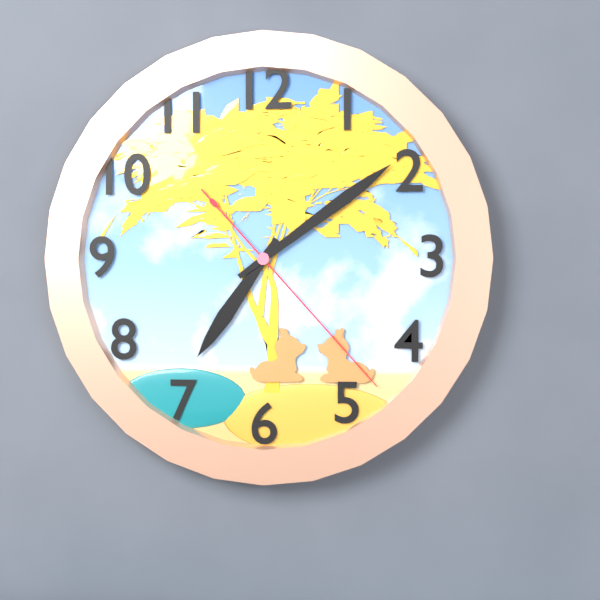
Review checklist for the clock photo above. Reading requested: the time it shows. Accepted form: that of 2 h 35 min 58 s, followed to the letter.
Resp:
7 h 09 min 23 s
